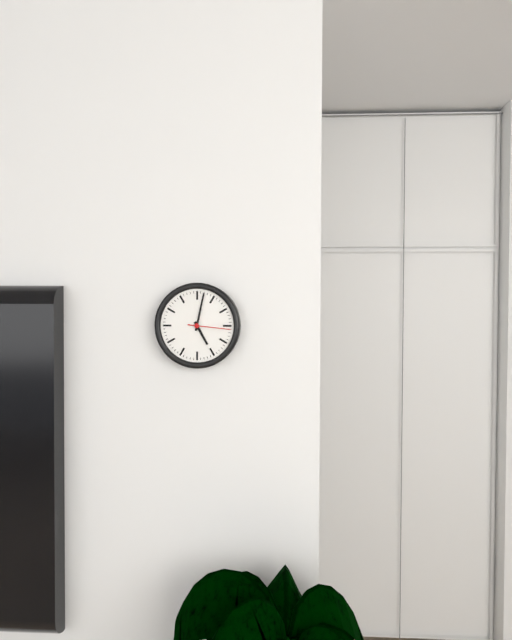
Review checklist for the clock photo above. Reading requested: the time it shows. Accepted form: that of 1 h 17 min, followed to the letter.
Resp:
5 h 02 min
